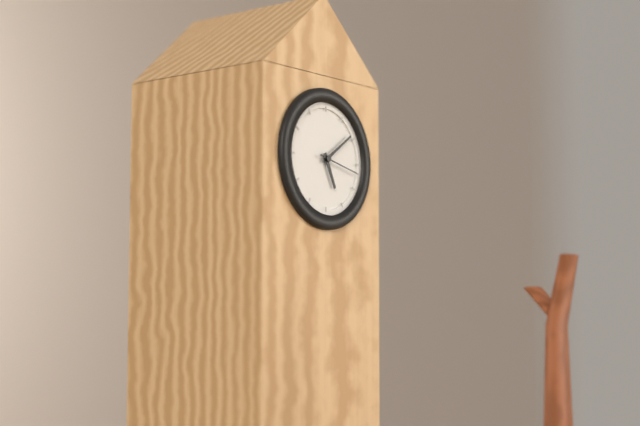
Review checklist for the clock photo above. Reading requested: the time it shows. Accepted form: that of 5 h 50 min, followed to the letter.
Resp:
5 h 09 min
